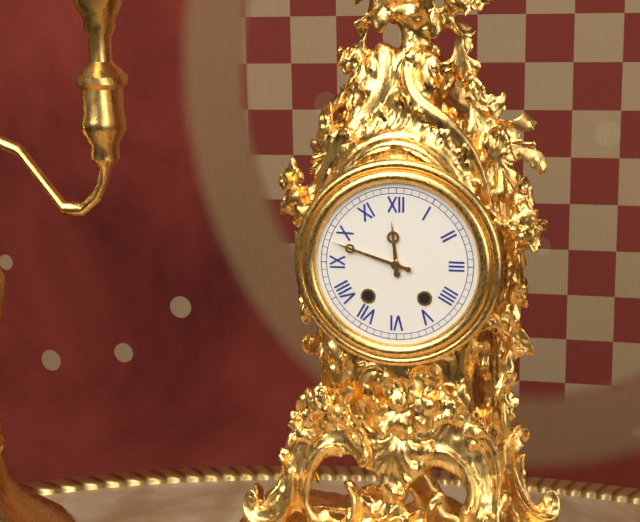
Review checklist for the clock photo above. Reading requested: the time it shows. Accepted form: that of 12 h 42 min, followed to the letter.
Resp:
11 h 48 min
